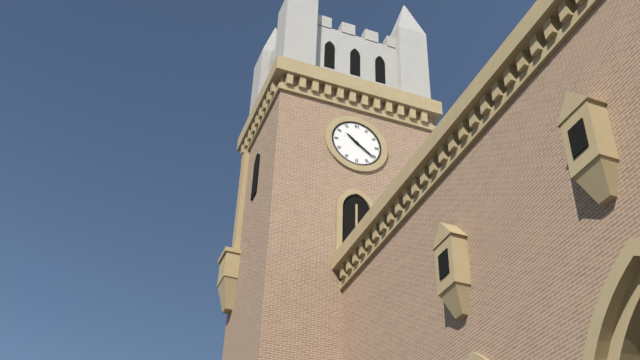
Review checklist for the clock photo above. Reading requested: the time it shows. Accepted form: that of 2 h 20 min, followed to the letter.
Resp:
10 h 21 min
